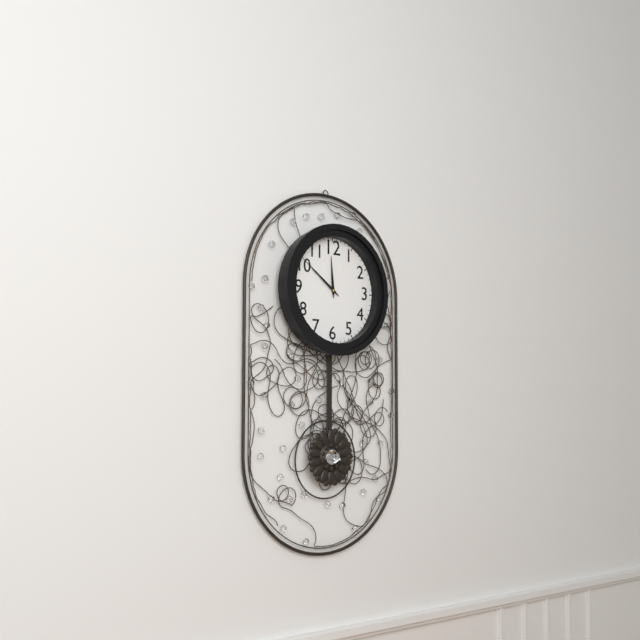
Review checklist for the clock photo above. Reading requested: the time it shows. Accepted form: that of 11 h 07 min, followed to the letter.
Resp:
11 h 51 min
